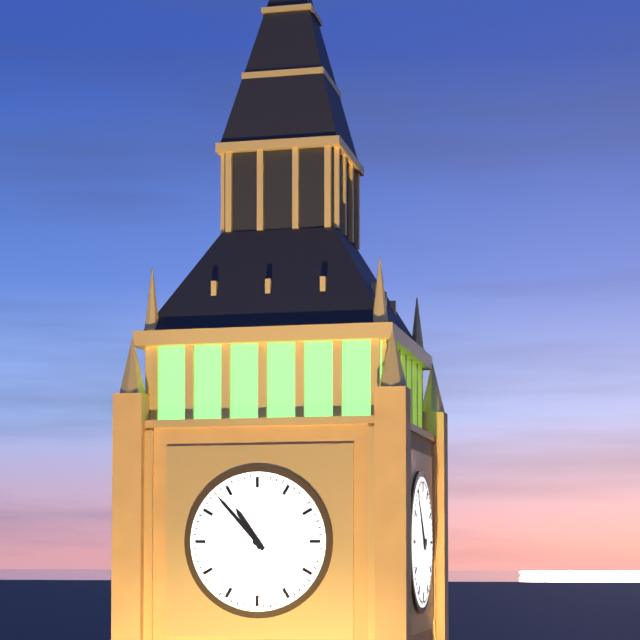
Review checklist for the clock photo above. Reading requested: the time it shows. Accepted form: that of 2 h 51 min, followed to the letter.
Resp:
10 h 53 min
